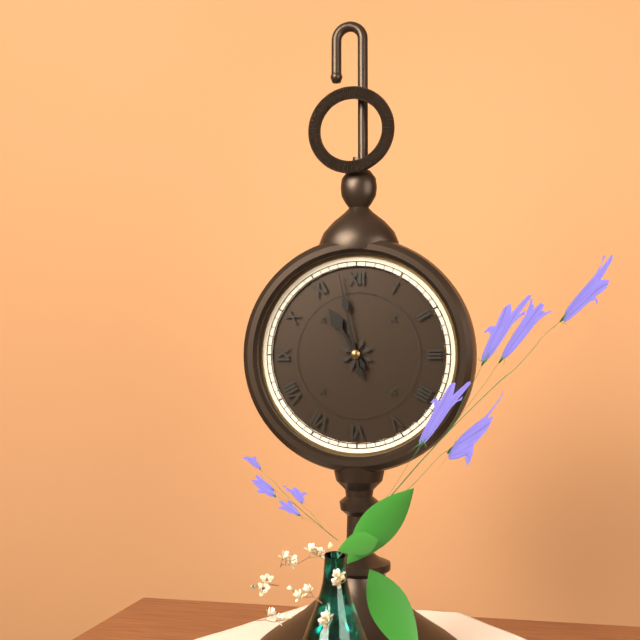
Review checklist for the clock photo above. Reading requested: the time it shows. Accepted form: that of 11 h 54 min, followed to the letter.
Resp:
10 h 58 min
